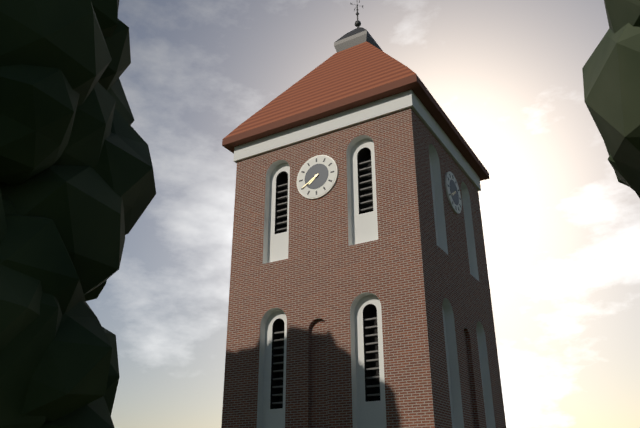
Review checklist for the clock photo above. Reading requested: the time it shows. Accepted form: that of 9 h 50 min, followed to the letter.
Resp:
7 h 40 min
